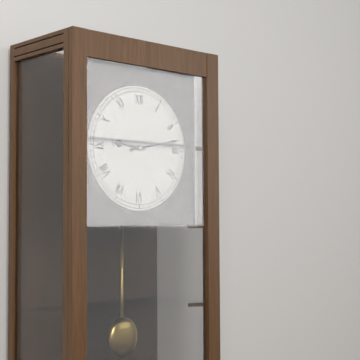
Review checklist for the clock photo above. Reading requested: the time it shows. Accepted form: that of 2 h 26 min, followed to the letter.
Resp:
9 h 13 min
